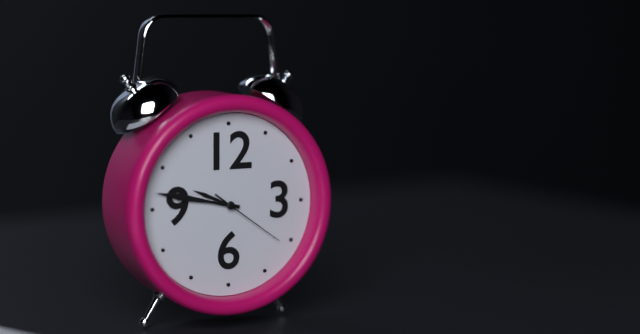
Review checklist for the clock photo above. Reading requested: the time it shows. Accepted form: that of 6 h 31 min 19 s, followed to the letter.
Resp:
9 h 47 min 21 s
